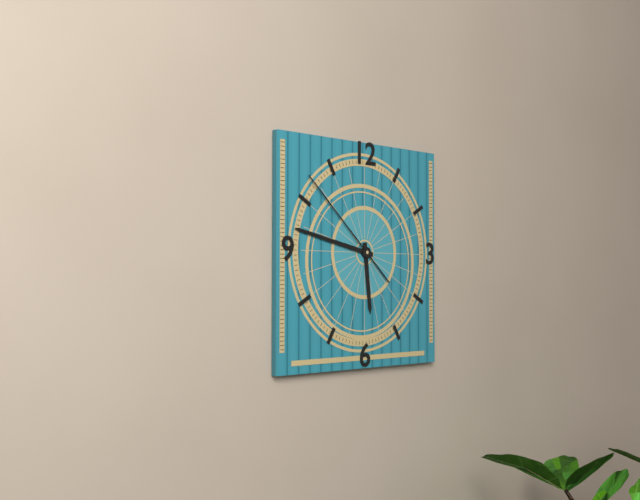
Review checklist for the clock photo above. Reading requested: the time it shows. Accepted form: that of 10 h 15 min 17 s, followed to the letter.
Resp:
5 h 47 min 52 s
